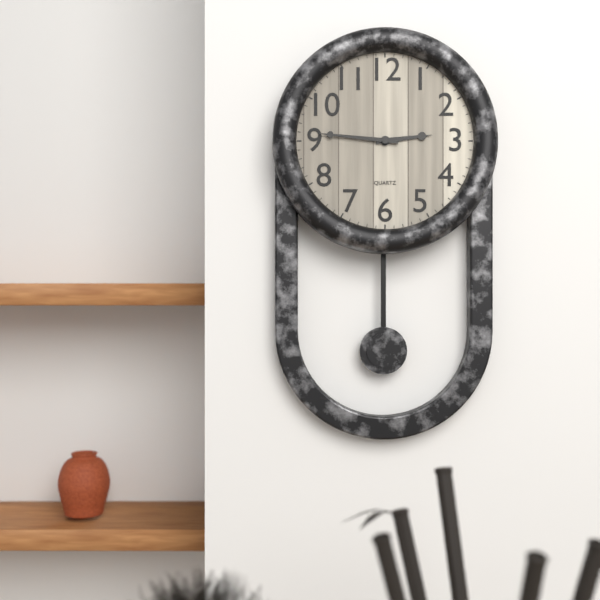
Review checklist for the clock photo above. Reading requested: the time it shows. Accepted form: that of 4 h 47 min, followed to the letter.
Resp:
2 h 46 min
